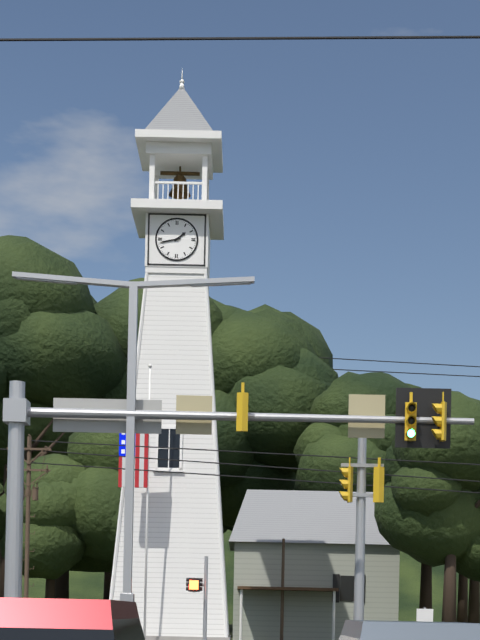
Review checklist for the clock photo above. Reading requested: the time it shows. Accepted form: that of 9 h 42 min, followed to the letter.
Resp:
1 h 43 min
